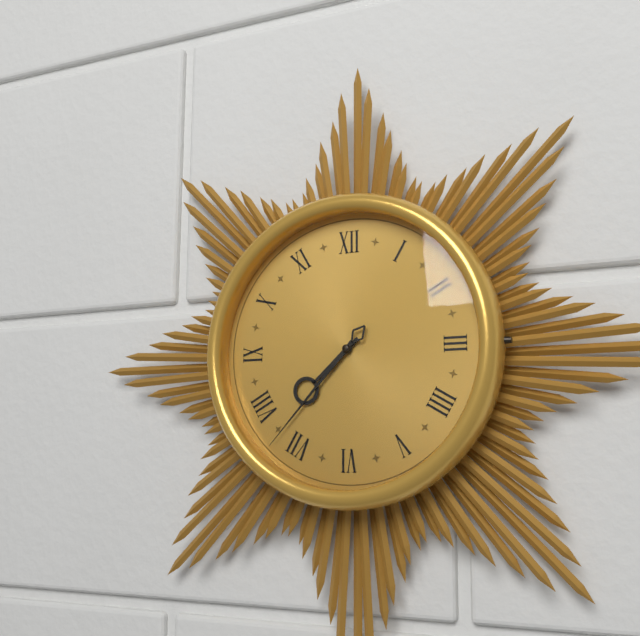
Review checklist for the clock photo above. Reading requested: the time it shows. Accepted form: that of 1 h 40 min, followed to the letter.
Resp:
7 h 37 min
